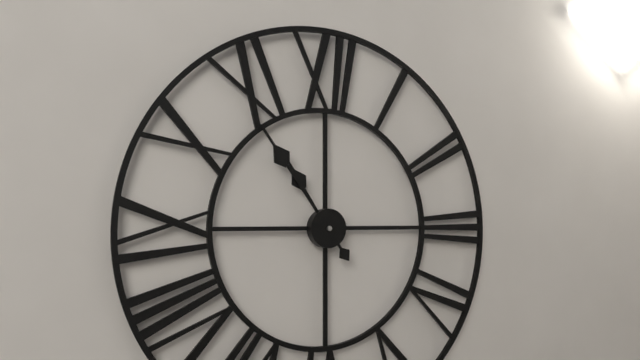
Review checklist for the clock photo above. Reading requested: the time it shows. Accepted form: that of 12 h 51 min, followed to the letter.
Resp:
10 h 54 min
